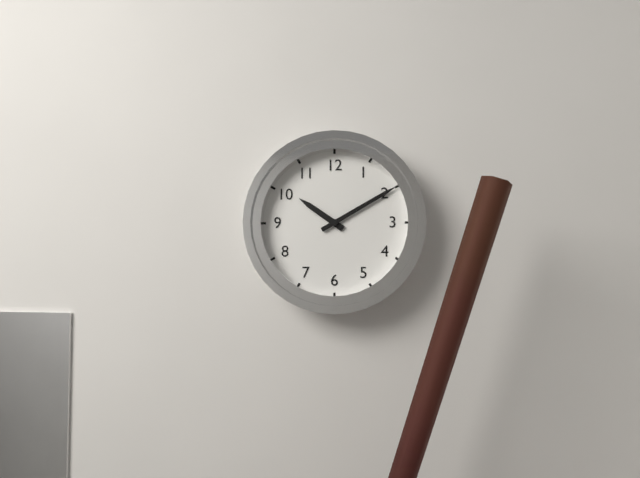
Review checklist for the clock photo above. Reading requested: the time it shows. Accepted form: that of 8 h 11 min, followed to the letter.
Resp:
10 h 10 min
